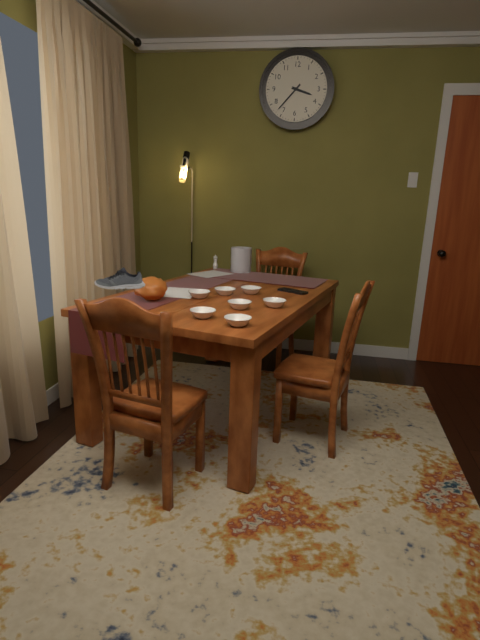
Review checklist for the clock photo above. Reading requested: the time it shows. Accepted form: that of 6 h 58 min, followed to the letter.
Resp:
3 h 37 min
